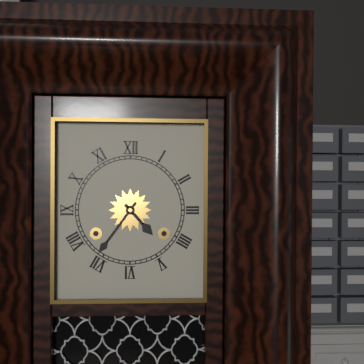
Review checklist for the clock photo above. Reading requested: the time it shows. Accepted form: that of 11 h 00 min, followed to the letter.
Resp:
4 h 36 min
